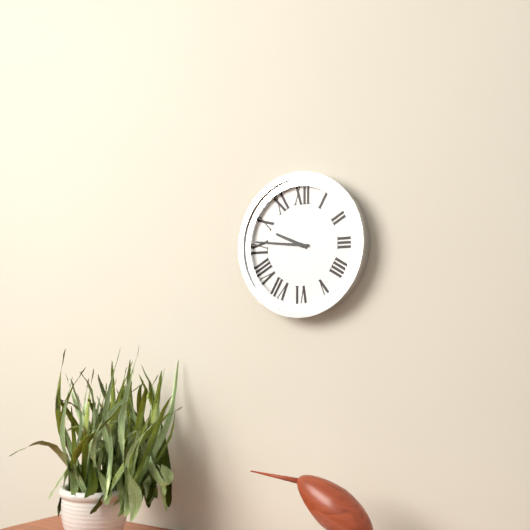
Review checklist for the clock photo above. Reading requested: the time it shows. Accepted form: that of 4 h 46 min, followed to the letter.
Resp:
9 h 46 min
